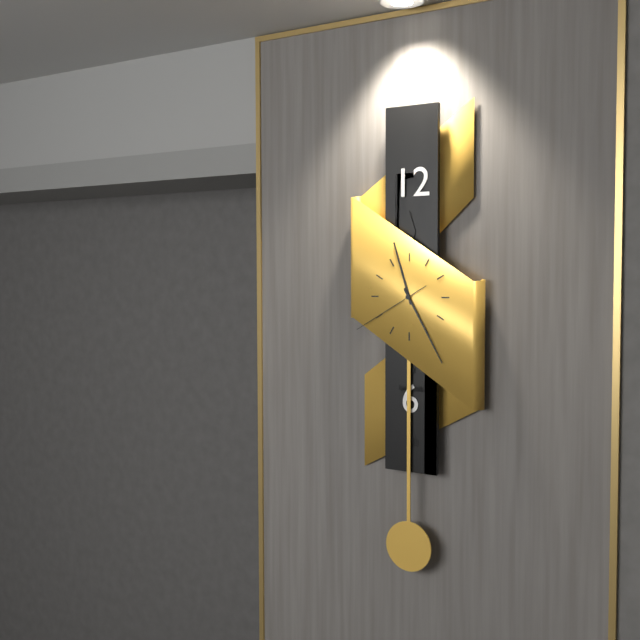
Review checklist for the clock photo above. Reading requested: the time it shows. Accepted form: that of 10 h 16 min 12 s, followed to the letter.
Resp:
11 h 25 min 40 s
